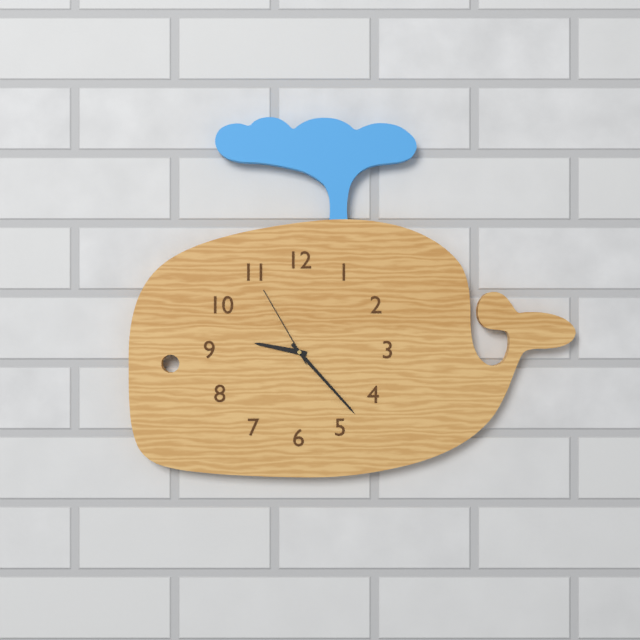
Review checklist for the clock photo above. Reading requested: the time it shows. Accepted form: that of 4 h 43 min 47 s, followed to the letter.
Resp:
9 h 23 min 55 s
